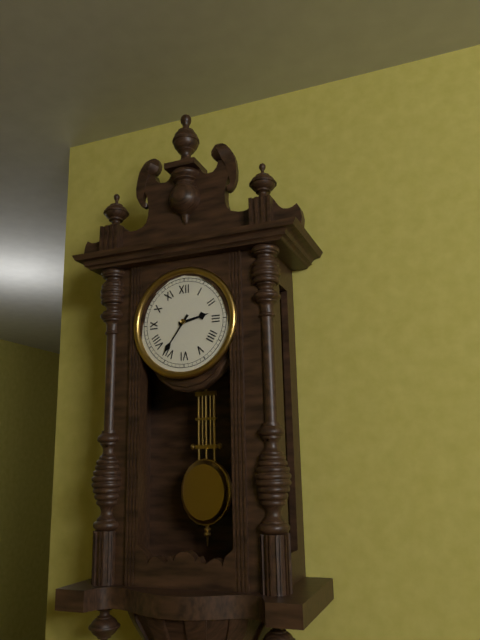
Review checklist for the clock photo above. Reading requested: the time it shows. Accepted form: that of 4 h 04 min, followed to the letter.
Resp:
2 h 36 min
